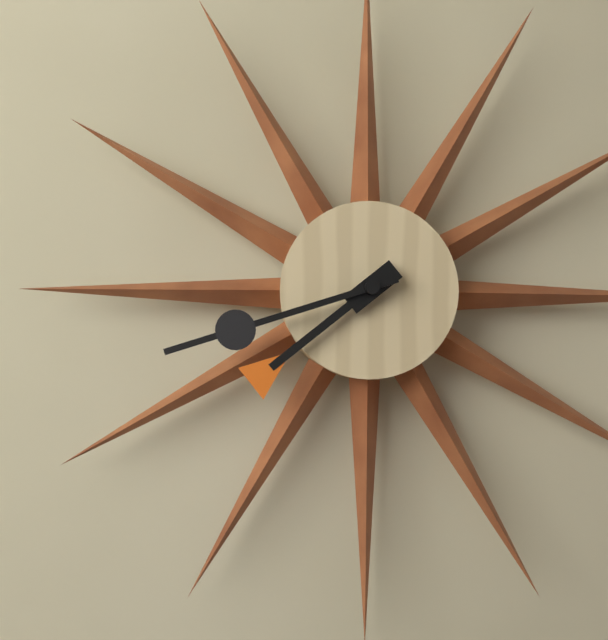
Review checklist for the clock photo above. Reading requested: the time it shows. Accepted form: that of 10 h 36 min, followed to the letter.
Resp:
7 h 42 min
